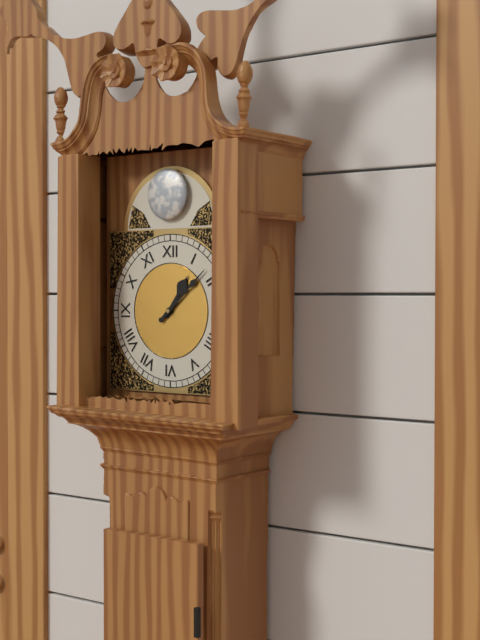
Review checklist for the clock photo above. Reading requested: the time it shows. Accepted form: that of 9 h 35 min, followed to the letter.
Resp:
1 h 08 min
